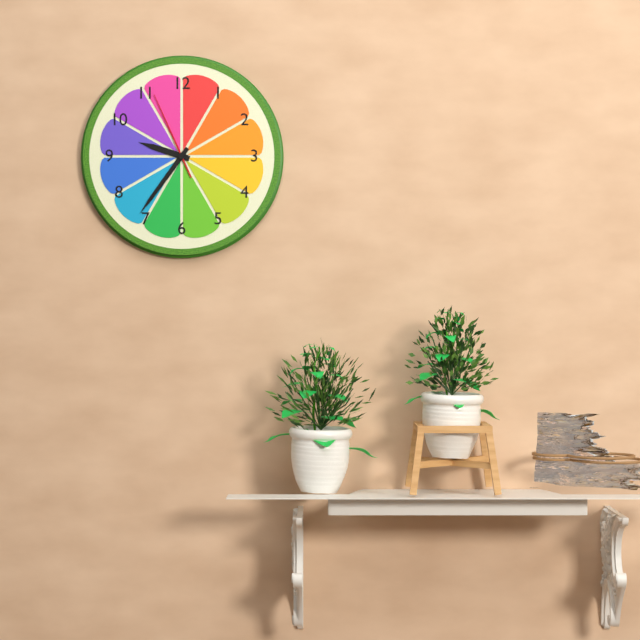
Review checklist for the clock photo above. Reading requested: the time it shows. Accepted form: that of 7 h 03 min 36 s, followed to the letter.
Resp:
9 h 36 min 56 s
